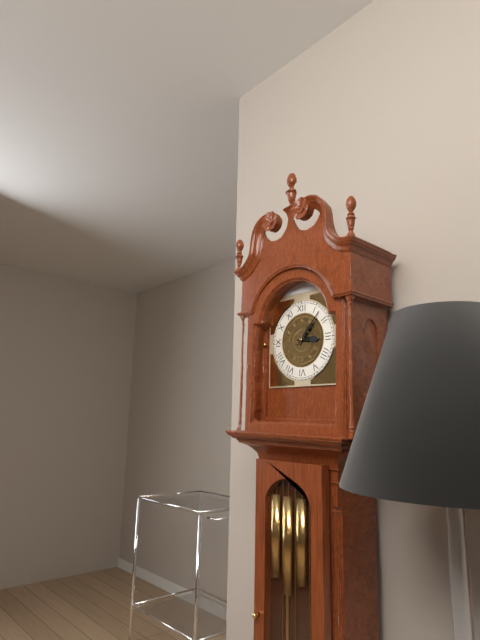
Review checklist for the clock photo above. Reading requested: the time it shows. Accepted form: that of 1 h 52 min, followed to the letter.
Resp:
3 h 07 min
